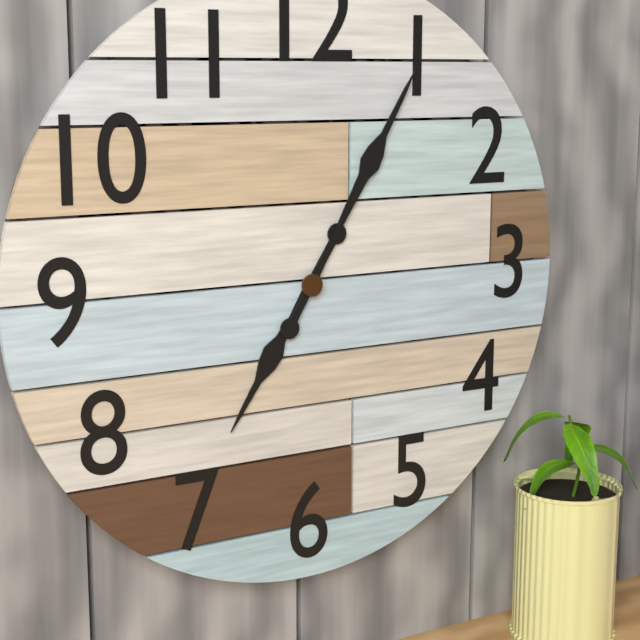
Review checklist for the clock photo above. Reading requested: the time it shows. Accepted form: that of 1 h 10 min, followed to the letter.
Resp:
7 h 05 min
